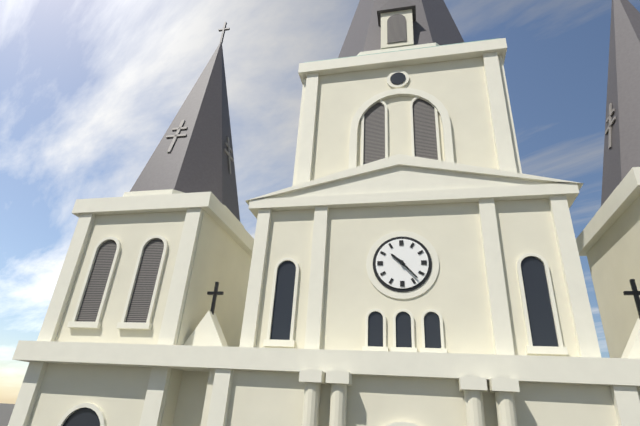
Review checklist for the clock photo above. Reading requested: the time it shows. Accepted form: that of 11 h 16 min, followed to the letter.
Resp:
10 h 23 min
